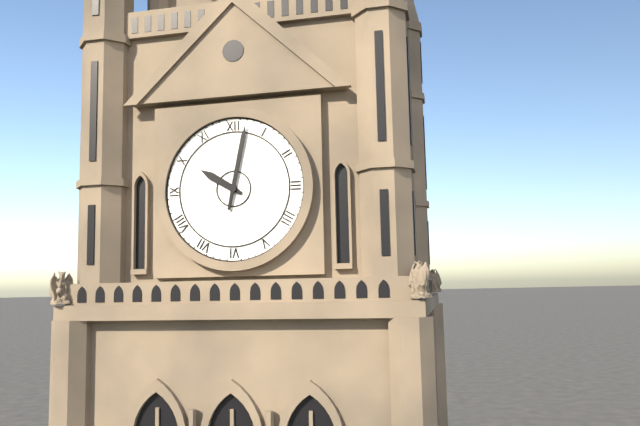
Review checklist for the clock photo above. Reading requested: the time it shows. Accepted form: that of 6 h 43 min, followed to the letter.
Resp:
10 h 02 min
